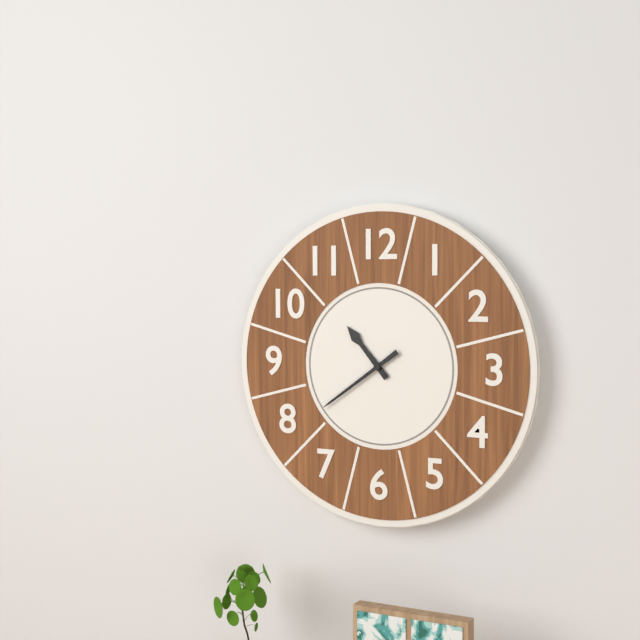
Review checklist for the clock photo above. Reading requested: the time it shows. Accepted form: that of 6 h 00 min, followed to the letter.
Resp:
10 h 39 min
